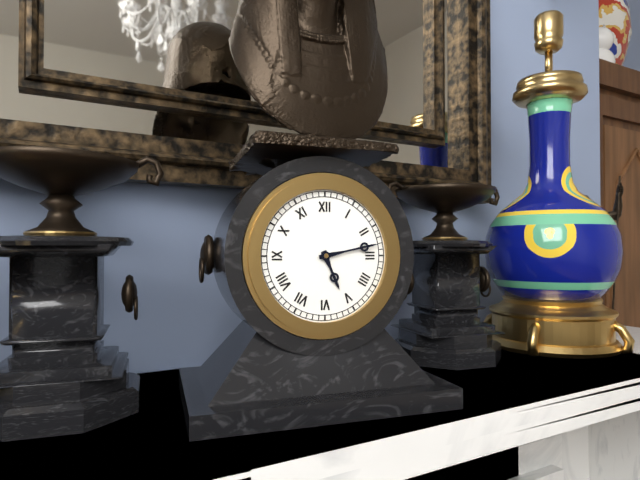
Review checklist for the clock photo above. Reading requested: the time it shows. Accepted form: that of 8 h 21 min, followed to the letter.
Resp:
5 h 13 min
